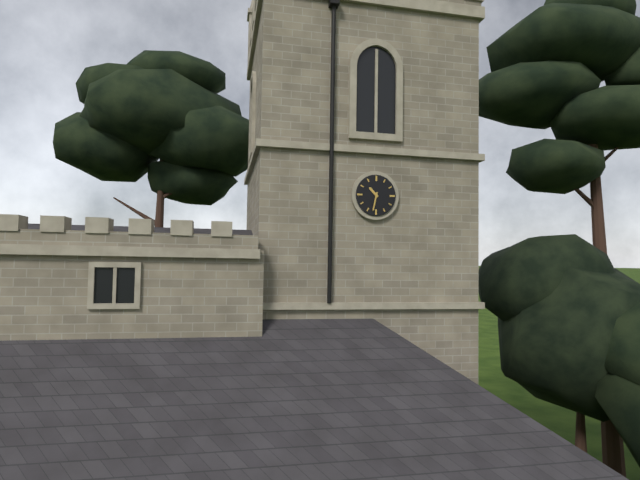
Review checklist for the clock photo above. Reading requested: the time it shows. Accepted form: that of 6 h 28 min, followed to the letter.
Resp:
10 h 32 min
